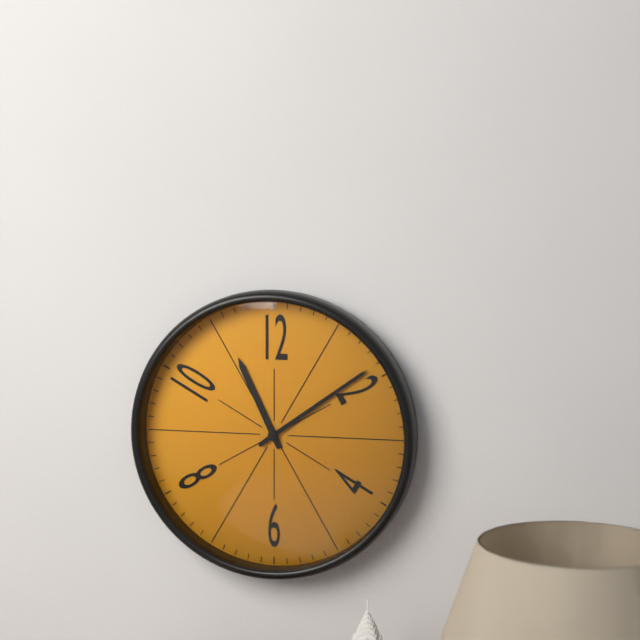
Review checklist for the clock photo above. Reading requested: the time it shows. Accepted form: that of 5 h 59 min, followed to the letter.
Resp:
11 h 09 min
